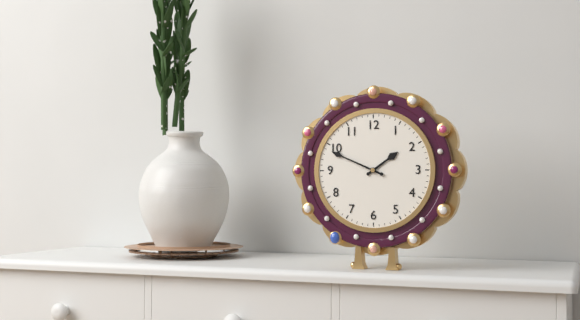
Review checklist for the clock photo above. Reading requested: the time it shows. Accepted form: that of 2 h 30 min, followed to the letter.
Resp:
1 h 49 min
